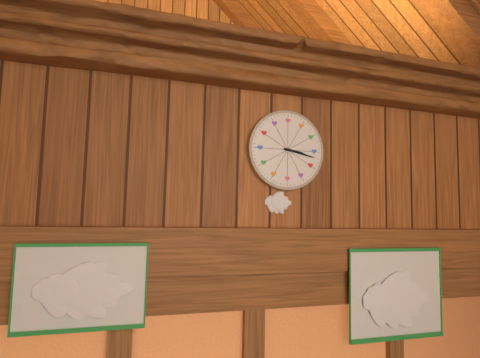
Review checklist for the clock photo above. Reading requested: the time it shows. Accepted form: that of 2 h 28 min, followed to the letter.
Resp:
3 h 17 min
